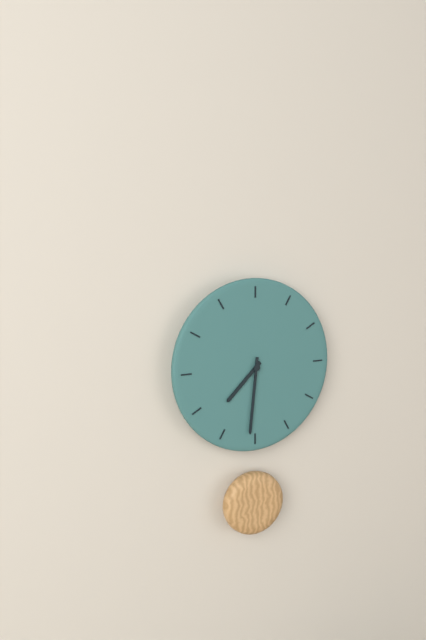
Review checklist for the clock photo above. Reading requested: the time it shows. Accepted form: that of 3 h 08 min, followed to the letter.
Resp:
7 h 31 min
